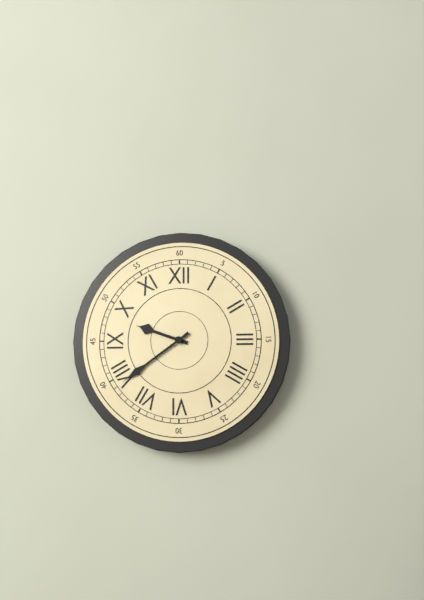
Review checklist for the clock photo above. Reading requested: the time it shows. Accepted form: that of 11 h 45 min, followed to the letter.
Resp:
9 h 39 min
